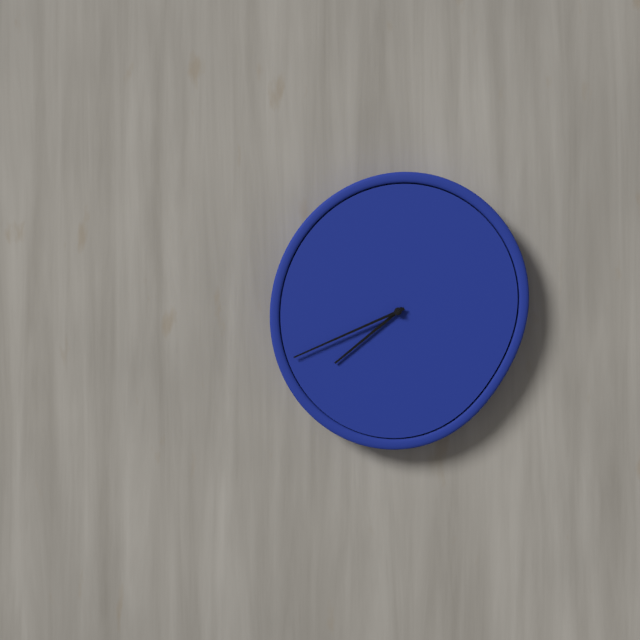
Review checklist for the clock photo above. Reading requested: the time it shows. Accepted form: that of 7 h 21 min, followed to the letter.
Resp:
7 h 41 min
